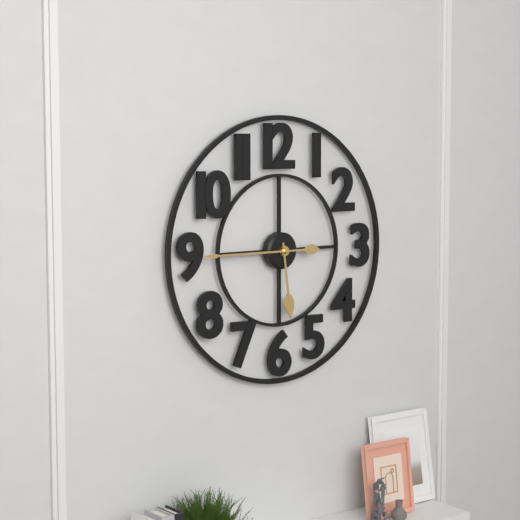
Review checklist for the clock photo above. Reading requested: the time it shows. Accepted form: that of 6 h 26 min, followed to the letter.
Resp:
5 h 45 min
